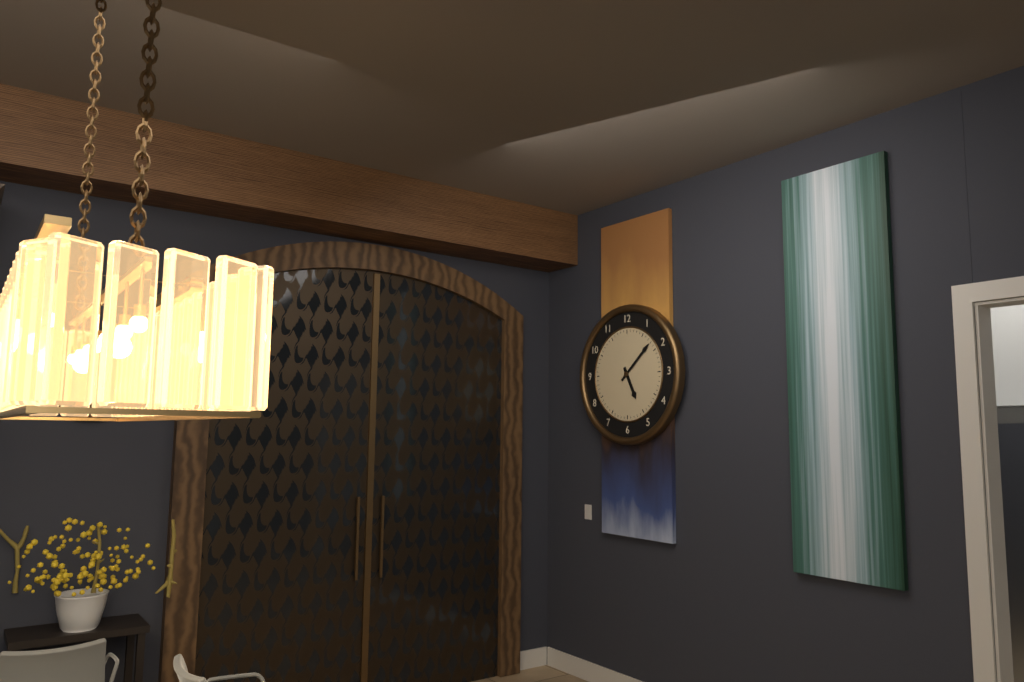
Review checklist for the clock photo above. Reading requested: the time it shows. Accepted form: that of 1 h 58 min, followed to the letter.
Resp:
5 h 08 min
